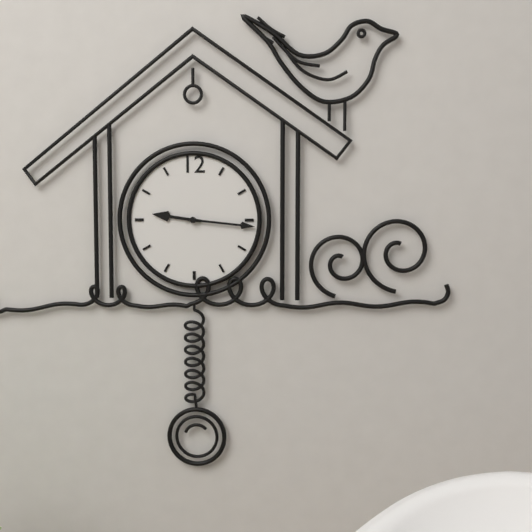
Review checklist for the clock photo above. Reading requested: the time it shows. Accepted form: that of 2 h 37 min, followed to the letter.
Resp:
9 h 16 min
